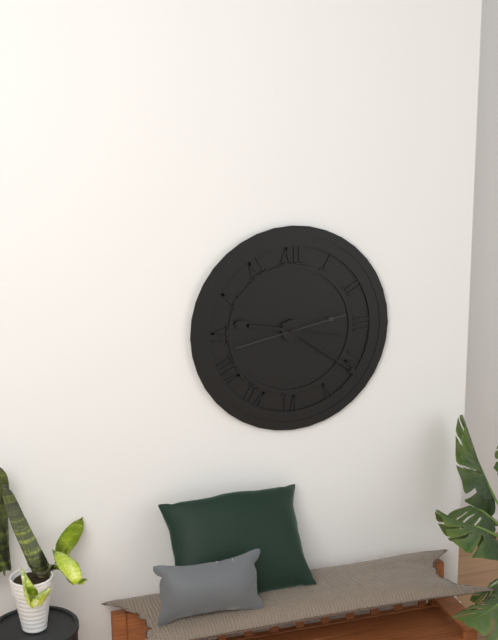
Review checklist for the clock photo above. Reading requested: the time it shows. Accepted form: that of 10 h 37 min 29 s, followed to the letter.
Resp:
9 h 21 min 43 s
